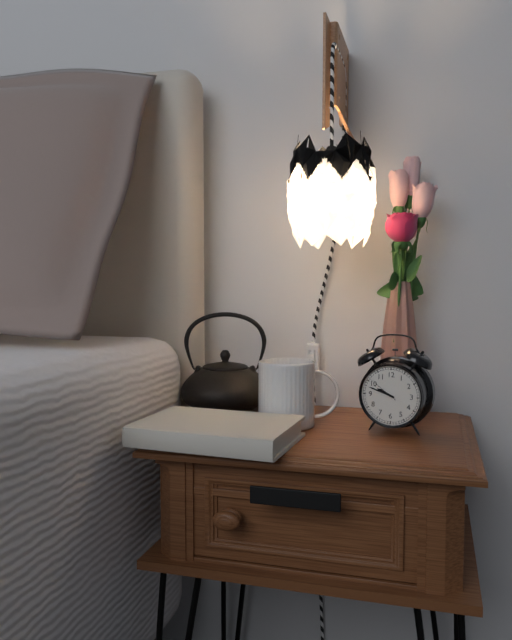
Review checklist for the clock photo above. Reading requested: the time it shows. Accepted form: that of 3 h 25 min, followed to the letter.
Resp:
9 h 48 min
